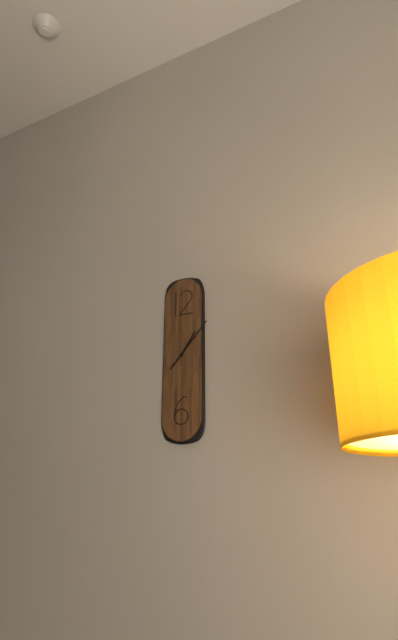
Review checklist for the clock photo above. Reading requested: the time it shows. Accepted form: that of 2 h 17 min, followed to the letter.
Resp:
1 h 07 min
